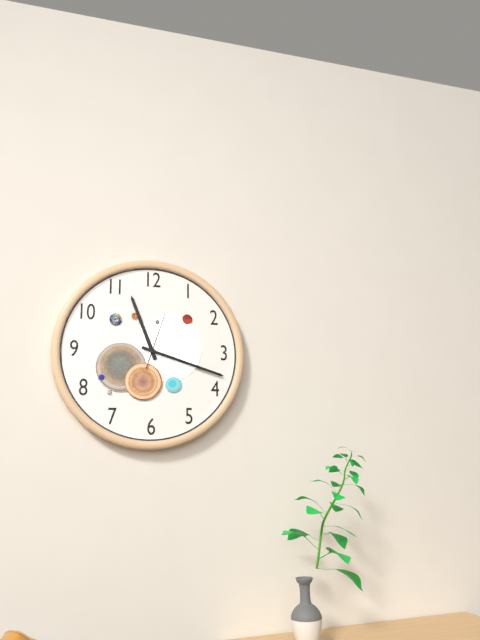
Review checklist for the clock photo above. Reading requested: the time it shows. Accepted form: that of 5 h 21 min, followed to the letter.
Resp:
11 h 18 min
